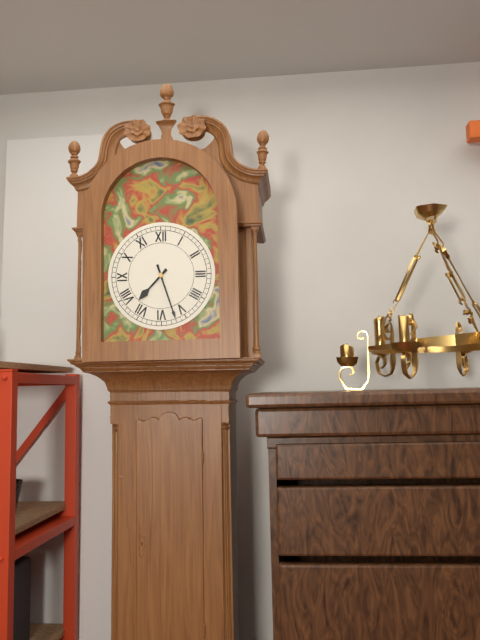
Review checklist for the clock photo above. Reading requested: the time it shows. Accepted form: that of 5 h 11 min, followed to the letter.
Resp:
7 h 27 min
